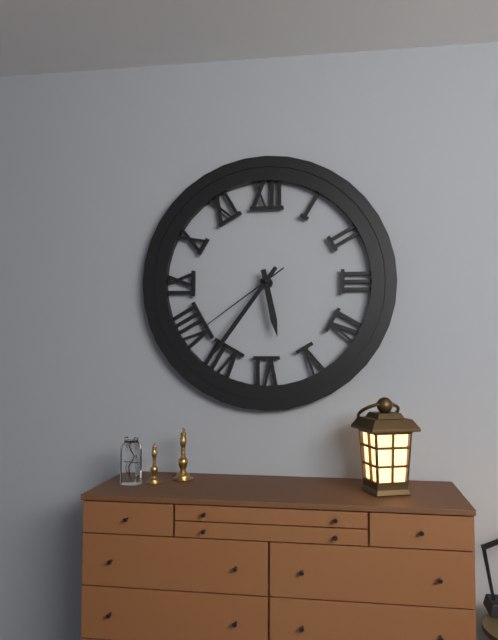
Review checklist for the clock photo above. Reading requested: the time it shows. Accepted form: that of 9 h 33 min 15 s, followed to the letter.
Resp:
5 h 36 min 39 s
